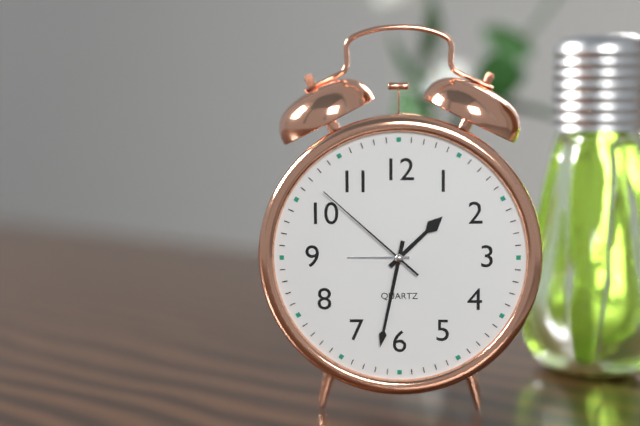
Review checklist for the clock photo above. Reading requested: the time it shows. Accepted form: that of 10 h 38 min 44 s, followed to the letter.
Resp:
1 h 32 min 52 s
